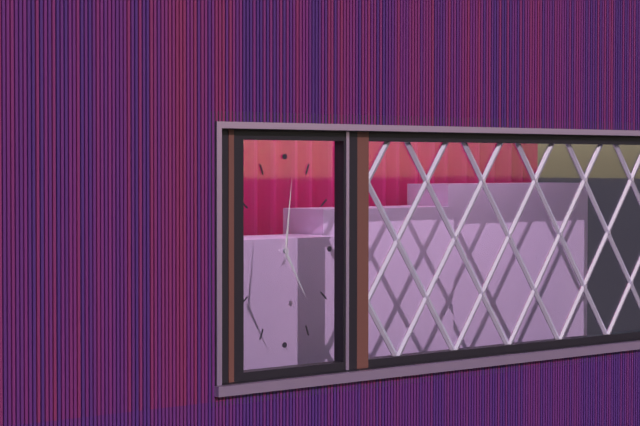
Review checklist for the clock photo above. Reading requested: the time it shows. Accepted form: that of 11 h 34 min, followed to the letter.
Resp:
5 h 01 min
